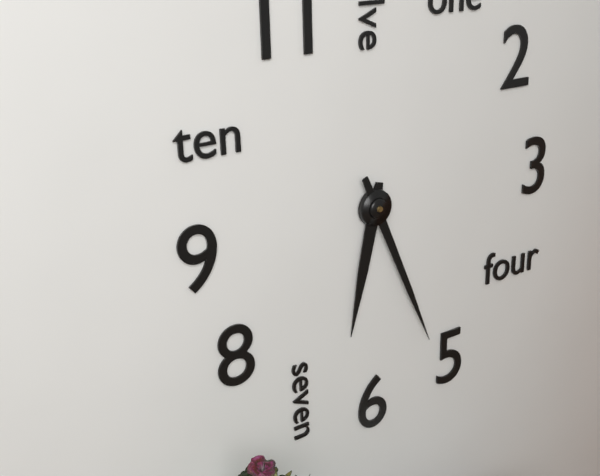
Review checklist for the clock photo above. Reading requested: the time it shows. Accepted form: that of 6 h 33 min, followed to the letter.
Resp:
6 h 26 min
